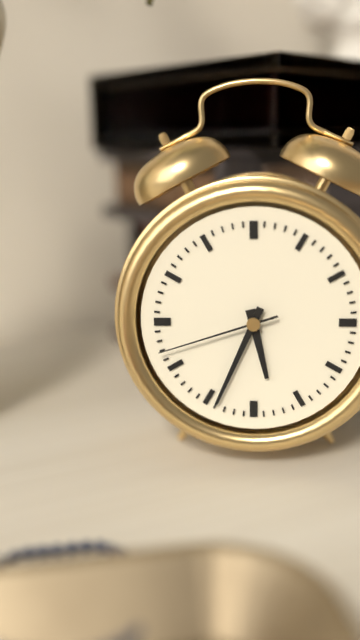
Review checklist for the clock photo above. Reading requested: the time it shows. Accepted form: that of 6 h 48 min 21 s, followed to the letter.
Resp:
5 h 34 min 42 s
